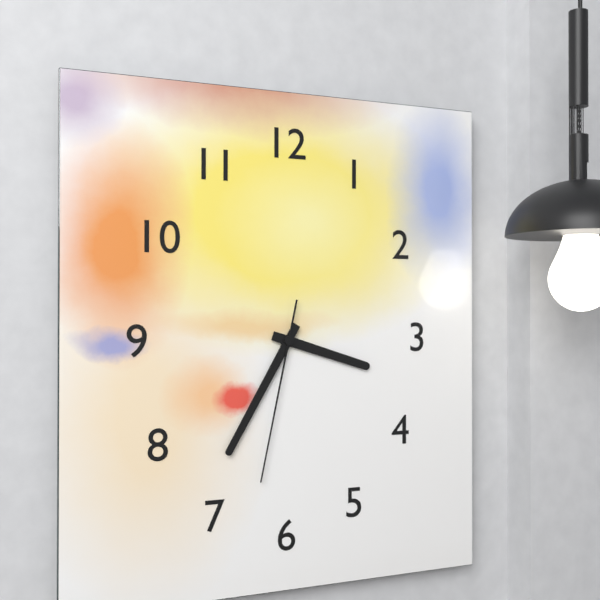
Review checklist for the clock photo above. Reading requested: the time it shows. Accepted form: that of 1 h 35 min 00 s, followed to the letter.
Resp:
3 h 35 min 32 s
